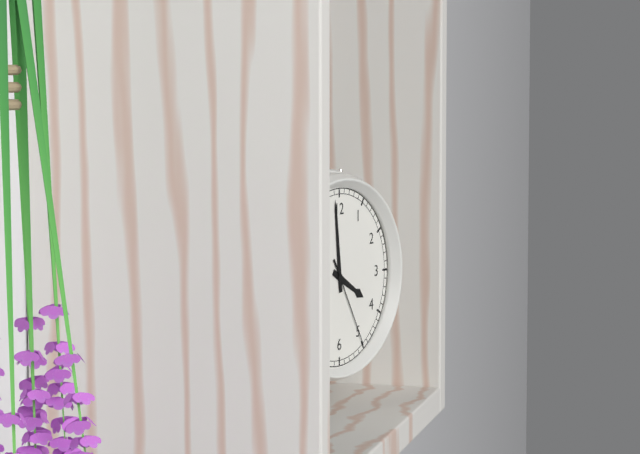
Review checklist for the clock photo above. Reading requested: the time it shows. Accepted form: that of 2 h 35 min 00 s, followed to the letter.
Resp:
3 h 59 min 25 s
